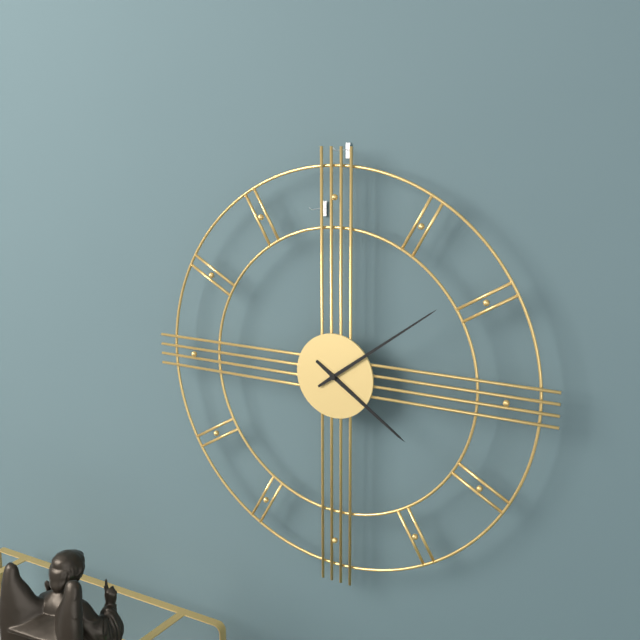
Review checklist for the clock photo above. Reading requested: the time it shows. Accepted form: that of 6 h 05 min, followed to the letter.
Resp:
4 h 09 min
